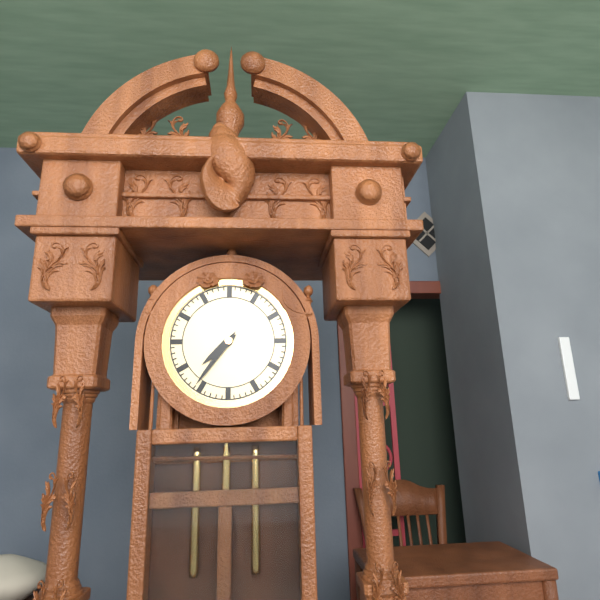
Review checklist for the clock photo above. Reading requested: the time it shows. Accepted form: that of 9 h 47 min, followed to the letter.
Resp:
7 h 36 min
